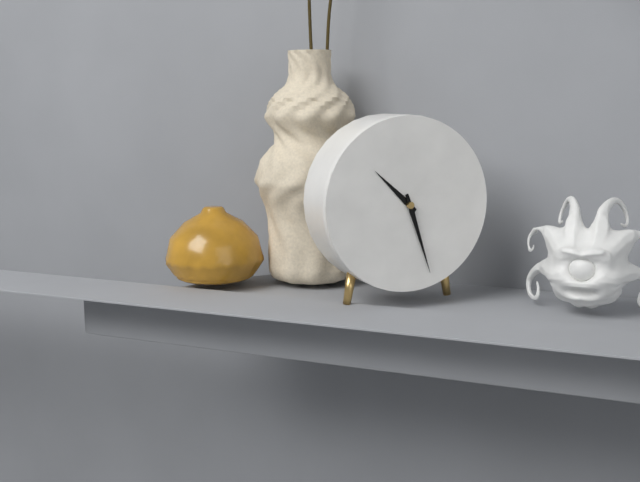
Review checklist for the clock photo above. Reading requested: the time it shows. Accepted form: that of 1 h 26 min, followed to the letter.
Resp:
10 h 27 min
